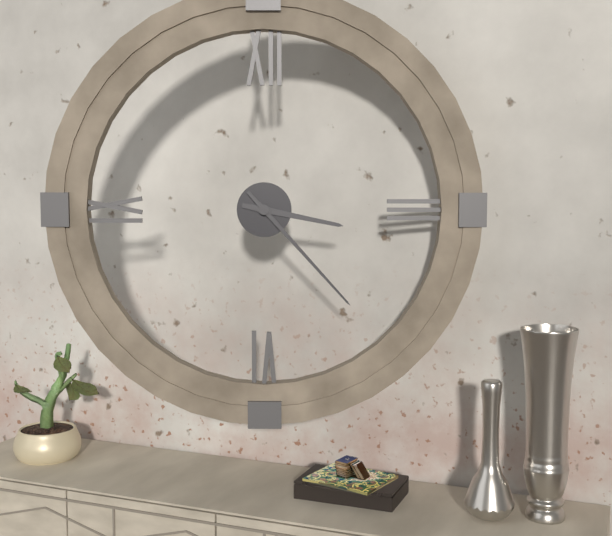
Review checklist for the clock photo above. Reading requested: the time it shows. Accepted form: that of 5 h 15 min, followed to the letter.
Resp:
3 h 23 min
